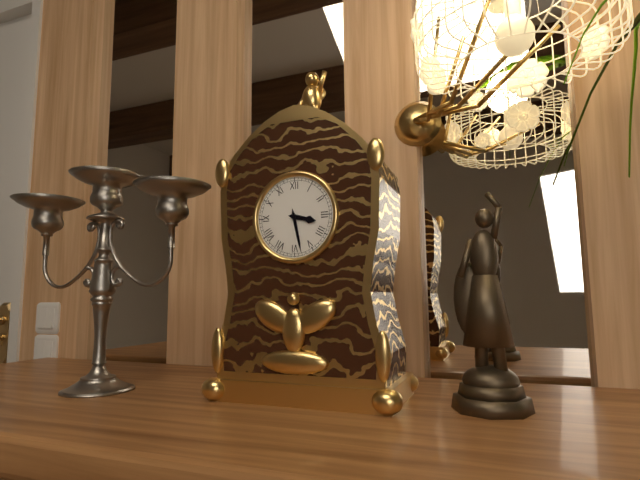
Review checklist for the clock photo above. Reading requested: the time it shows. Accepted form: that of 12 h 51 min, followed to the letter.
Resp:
3 h 28 min
